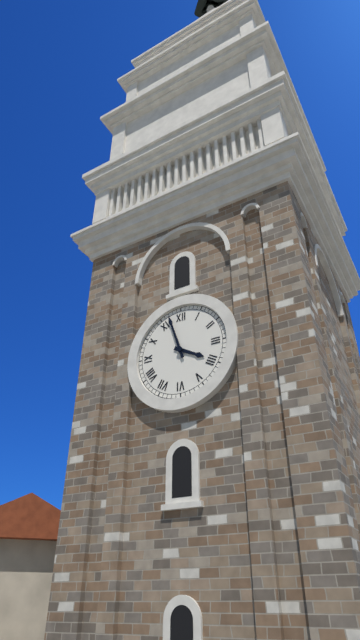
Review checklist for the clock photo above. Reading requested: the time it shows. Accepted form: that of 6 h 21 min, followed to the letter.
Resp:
3 h 57 min
